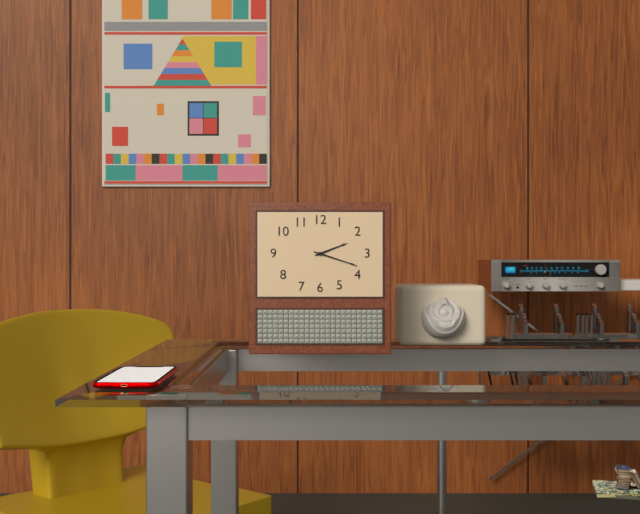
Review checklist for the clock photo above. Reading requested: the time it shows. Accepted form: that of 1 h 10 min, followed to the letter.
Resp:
2 h 18 min
